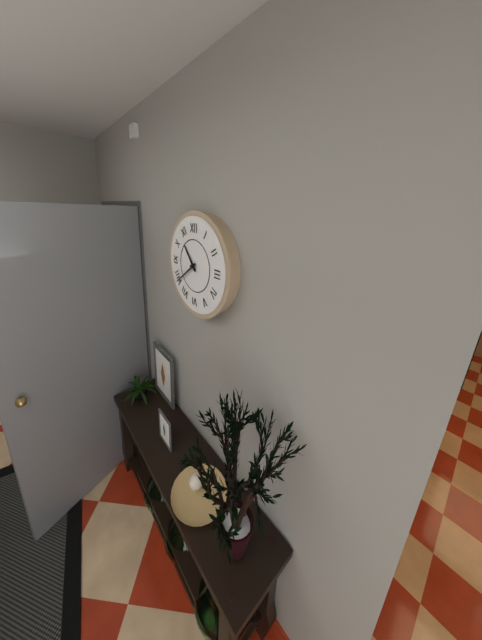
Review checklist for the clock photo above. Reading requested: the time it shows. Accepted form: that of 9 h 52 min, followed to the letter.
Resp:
10 h 39 min
